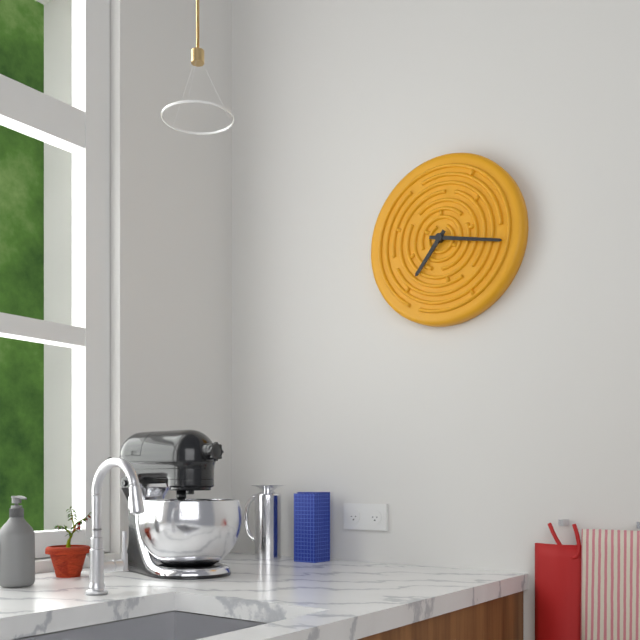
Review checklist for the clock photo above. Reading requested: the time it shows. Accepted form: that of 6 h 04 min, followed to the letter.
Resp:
7 h 17 min
